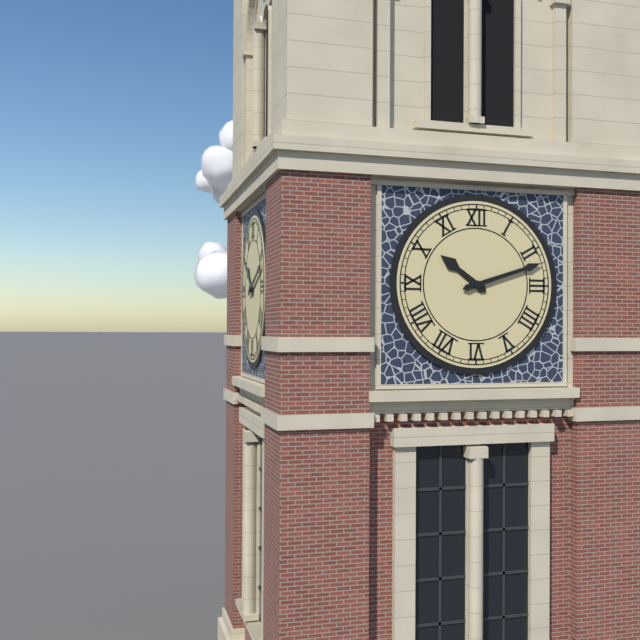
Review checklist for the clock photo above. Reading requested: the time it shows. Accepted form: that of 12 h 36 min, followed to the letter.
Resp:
10 h 12 min
